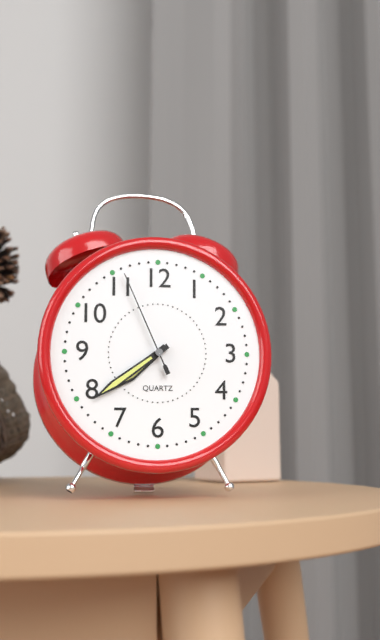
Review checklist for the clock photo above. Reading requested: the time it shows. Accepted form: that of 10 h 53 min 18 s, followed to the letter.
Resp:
7 h 39 min 56 s
